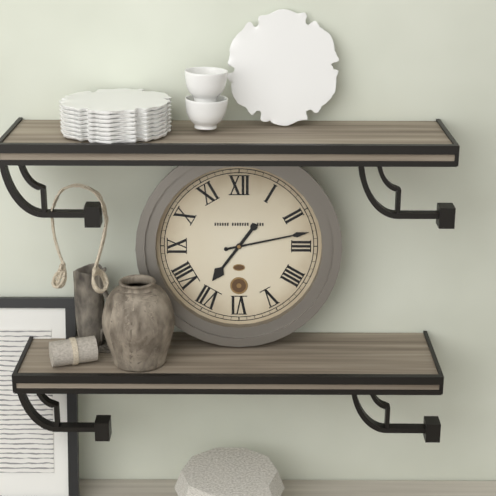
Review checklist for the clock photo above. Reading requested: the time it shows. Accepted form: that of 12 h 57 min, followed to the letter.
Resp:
7 h 13 min
